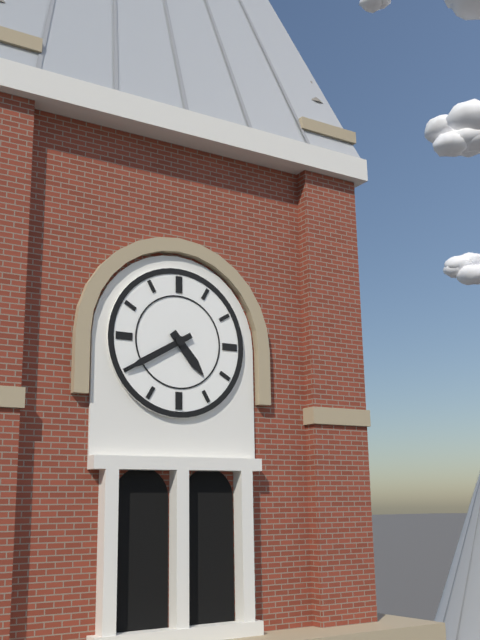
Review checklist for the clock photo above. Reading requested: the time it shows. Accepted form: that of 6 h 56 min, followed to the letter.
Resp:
4 h 40 min
